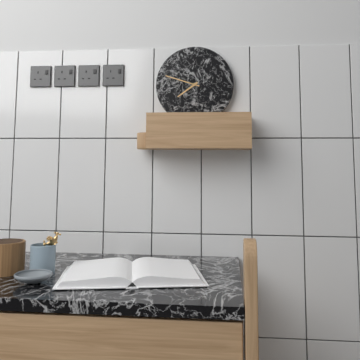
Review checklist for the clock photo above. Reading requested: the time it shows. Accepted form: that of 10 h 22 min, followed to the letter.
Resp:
7 h 48 min
